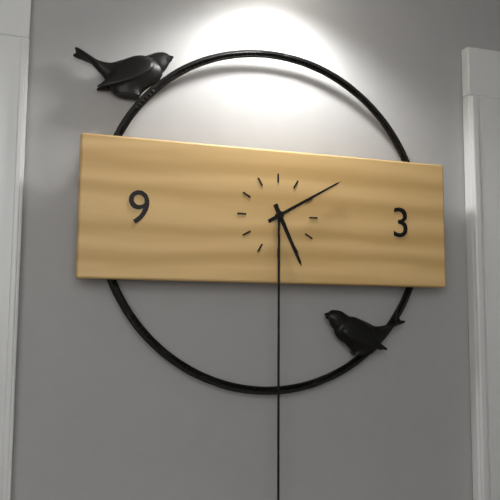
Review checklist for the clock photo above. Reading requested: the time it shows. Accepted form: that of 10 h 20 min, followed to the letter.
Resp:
5 h 10 min
